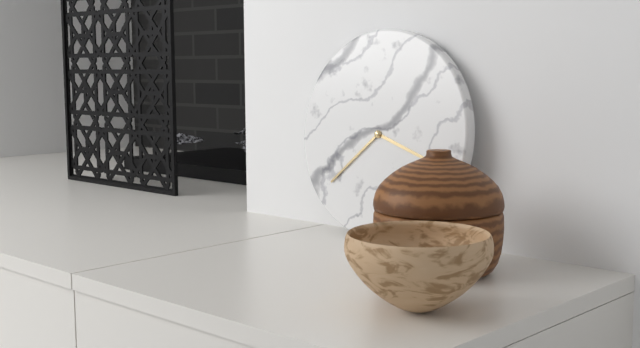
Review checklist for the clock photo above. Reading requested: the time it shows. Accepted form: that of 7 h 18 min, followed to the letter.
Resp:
3 h 38 min
